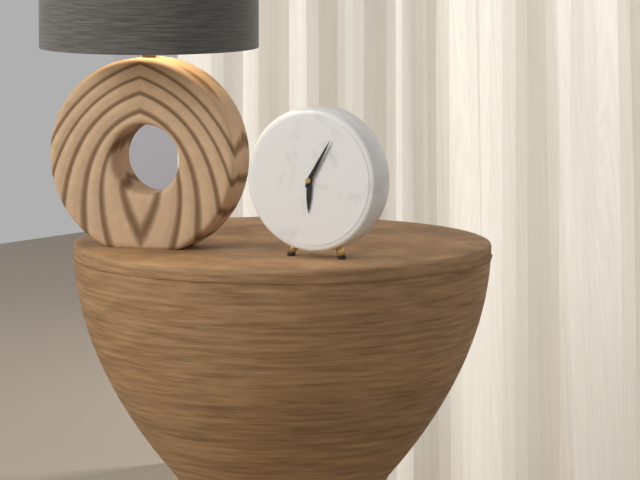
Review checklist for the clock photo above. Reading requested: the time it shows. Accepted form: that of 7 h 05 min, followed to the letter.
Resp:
6 h 05 min
